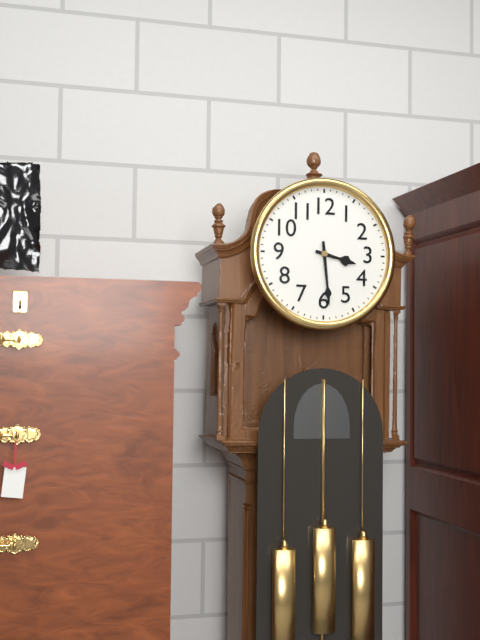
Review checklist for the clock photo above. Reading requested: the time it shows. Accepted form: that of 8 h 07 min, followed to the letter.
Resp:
3 h 29 min
